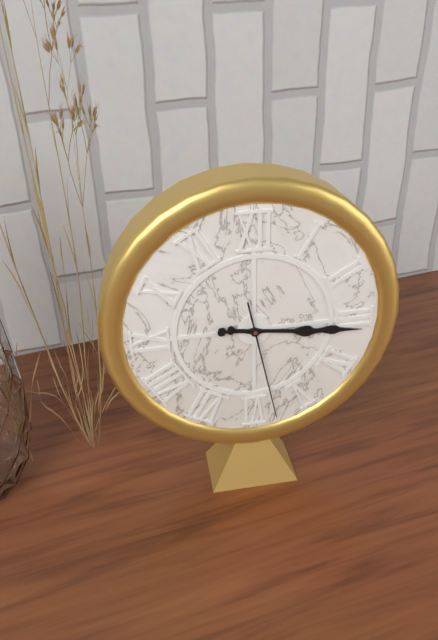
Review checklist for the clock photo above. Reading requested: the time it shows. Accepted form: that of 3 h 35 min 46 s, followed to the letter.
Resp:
3 h 16 min 28 s
